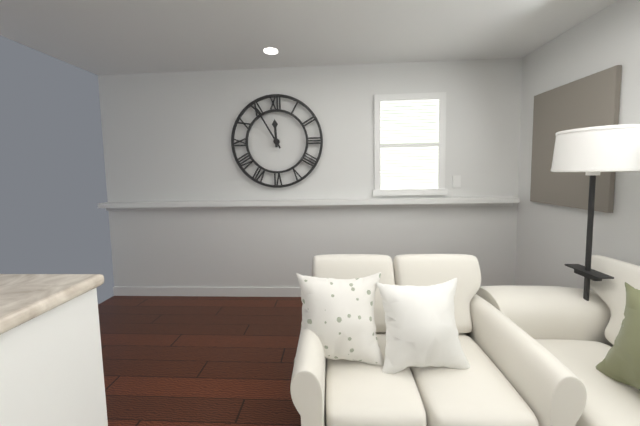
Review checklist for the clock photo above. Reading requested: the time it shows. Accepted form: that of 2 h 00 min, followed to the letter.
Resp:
11 h 55 min
